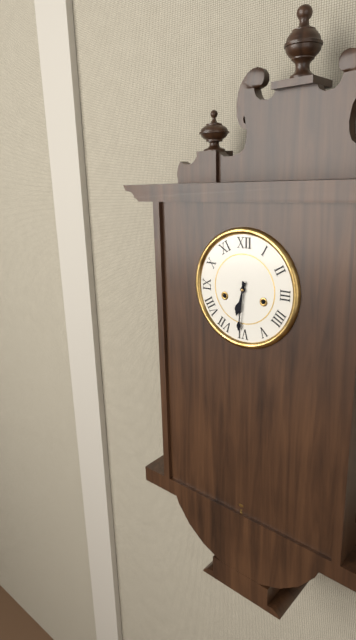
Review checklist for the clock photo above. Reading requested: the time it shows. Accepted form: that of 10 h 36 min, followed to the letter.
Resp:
6 h 31 min
